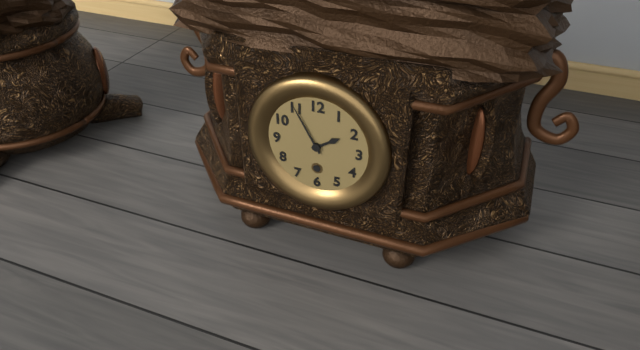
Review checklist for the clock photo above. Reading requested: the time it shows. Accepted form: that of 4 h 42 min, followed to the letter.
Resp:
1 h 55 min
